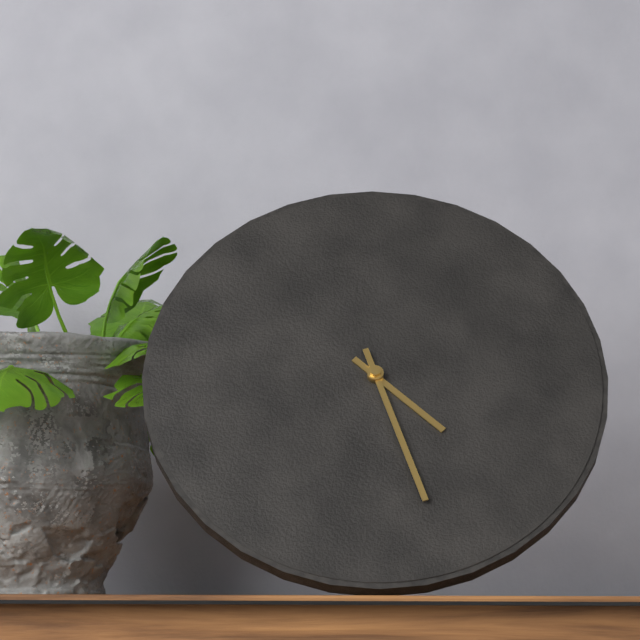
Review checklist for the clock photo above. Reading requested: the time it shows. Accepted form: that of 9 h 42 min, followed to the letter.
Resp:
4 h 27 min
